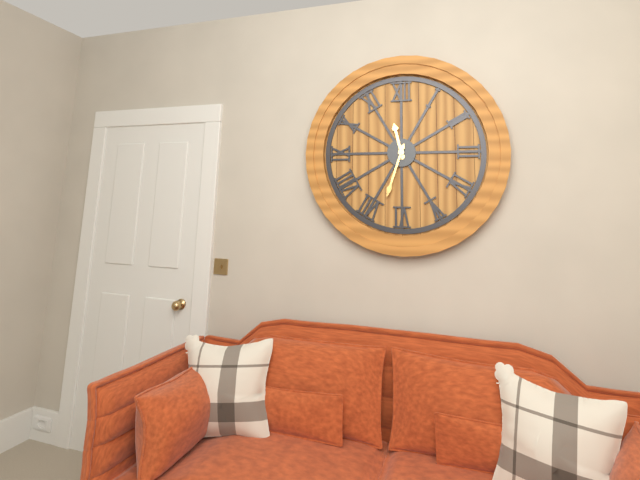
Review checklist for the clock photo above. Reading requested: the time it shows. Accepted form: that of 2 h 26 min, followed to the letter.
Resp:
11 h 33 min
